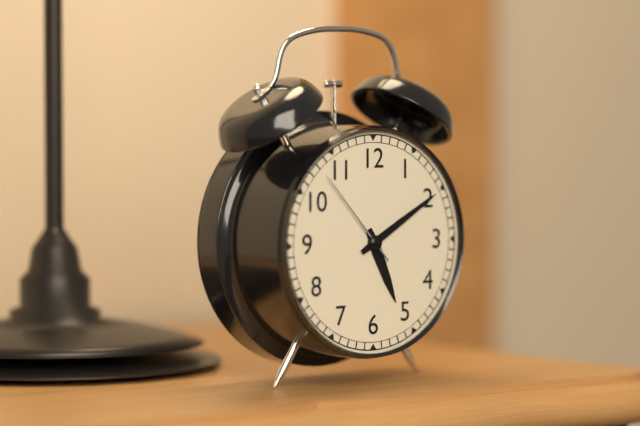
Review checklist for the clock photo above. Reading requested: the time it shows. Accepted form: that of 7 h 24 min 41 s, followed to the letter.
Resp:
5 h 10 min 53 s
